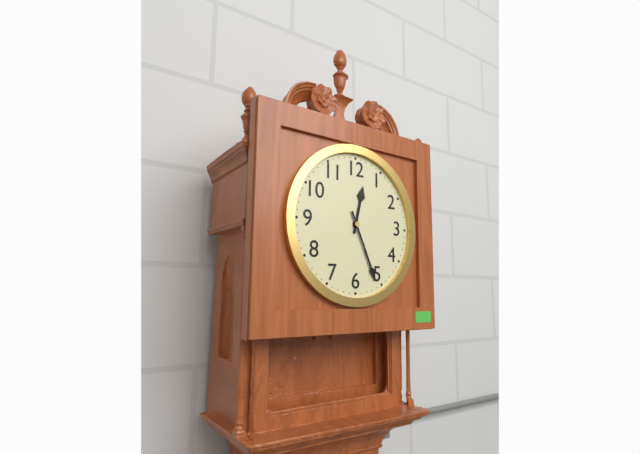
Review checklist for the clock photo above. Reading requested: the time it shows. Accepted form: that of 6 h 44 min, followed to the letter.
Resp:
12 h 26 min
